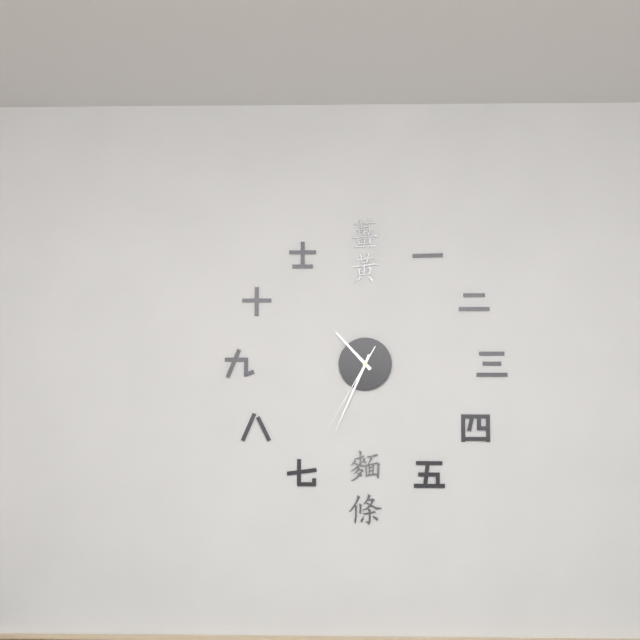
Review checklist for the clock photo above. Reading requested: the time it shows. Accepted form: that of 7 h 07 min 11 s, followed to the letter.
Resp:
10 h 34 min 35 s
